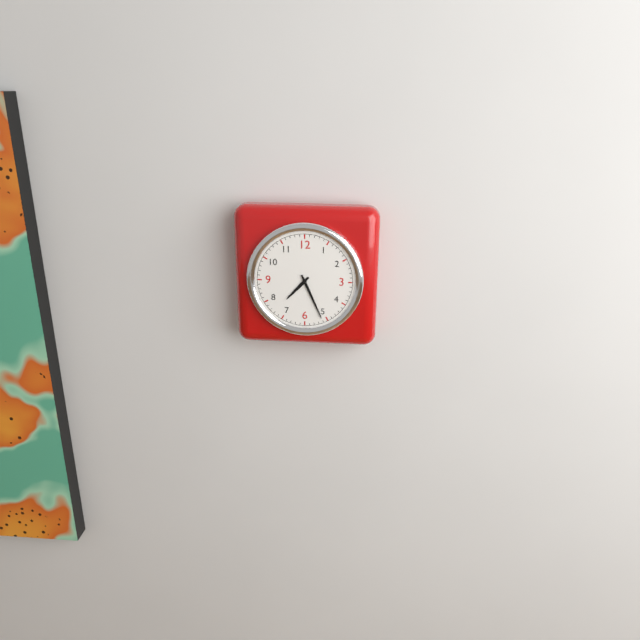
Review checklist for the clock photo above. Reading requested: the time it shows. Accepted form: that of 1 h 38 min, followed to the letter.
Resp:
7 h 26 min
